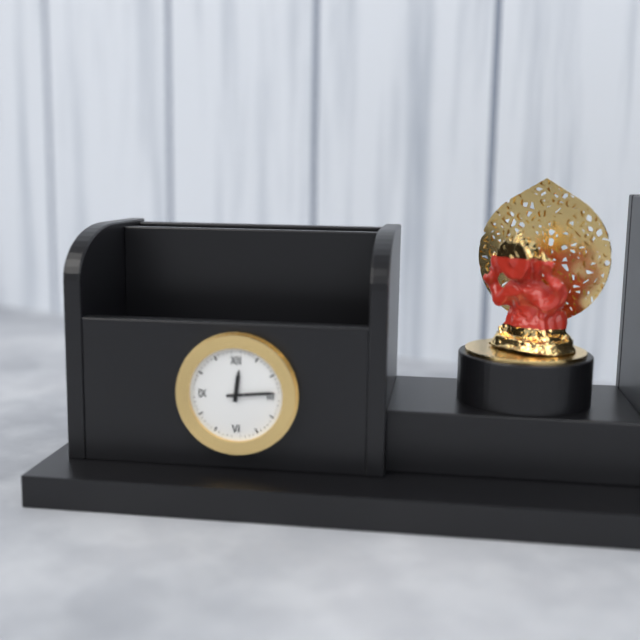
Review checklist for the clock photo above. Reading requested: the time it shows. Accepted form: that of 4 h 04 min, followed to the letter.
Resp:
12 h 14 min
